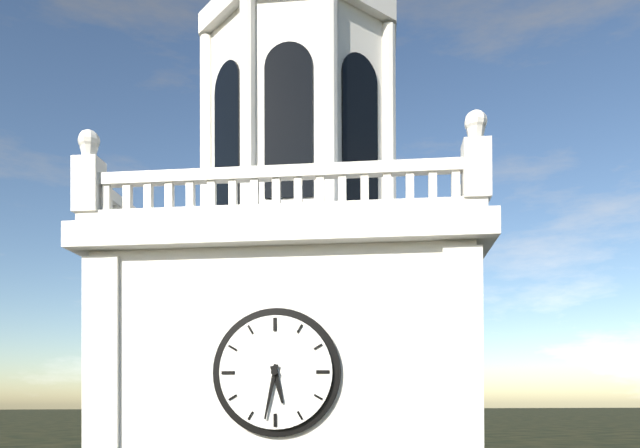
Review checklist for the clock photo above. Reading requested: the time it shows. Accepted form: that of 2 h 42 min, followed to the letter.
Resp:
5 h 32 min
